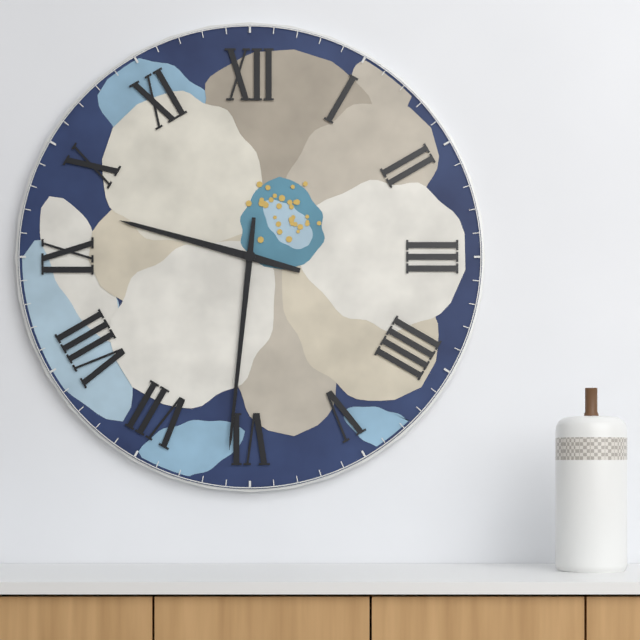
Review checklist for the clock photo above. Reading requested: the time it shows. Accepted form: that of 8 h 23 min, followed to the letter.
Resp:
9 h 31 min
